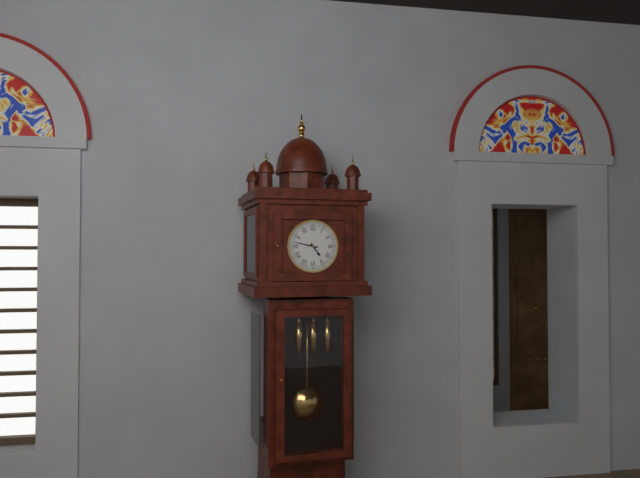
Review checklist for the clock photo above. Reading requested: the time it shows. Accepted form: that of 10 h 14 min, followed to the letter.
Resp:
4 h 47 min
